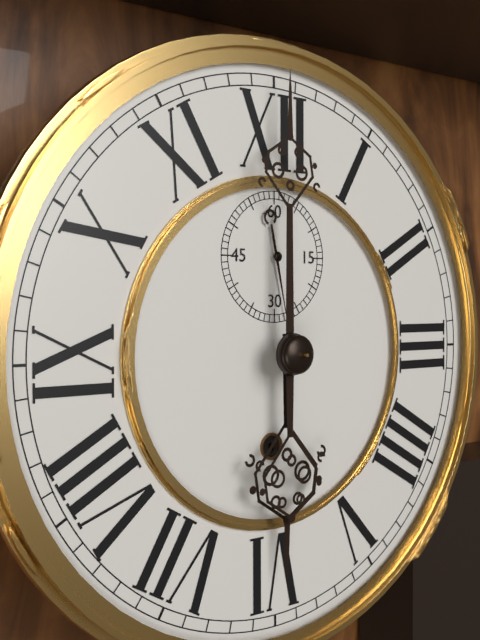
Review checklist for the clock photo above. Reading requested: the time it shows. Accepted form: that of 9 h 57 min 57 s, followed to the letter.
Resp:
6 h 00 min 28 s
